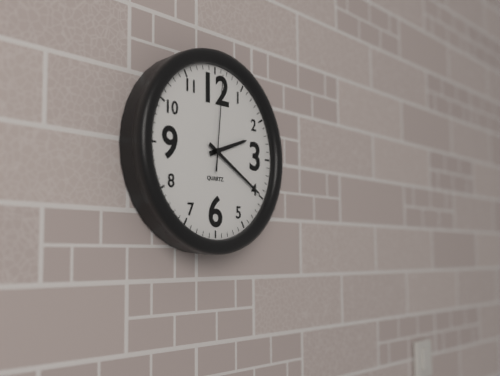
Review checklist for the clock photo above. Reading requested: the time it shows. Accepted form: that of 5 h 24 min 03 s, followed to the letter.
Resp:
2 h 20 min 01 s
